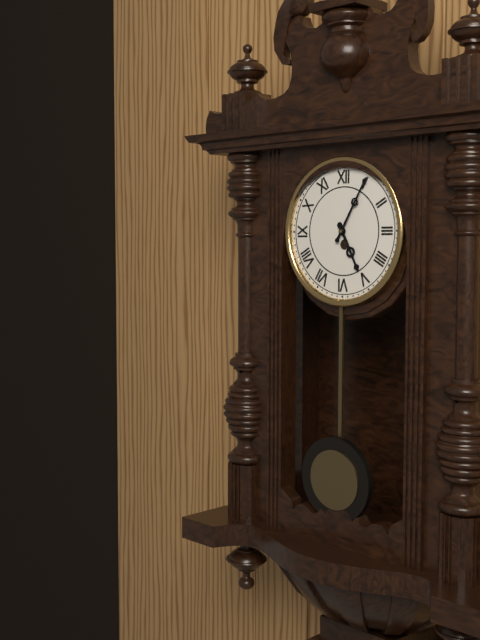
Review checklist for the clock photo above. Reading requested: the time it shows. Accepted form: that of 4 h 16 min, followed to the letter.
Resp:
5 h 05 min
